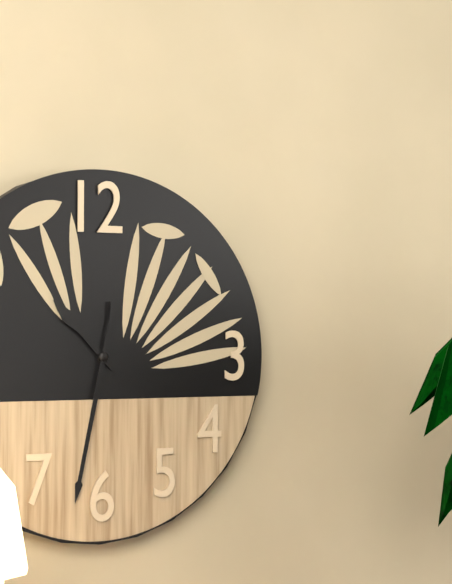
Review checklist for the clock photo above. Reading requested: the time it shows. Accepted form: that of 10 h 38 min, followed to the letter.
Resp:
10 h 32 min
